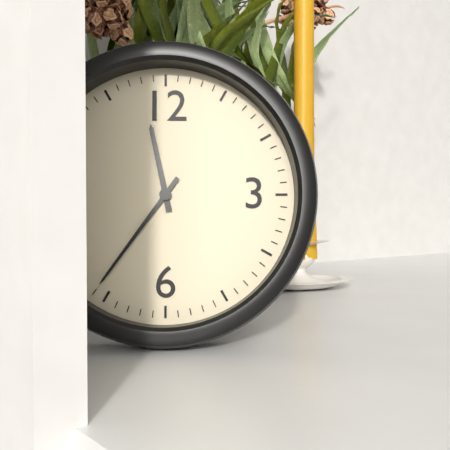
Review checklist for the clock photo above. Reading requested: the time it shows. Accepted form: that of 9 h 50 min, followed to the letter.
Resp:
11 h 36 min
